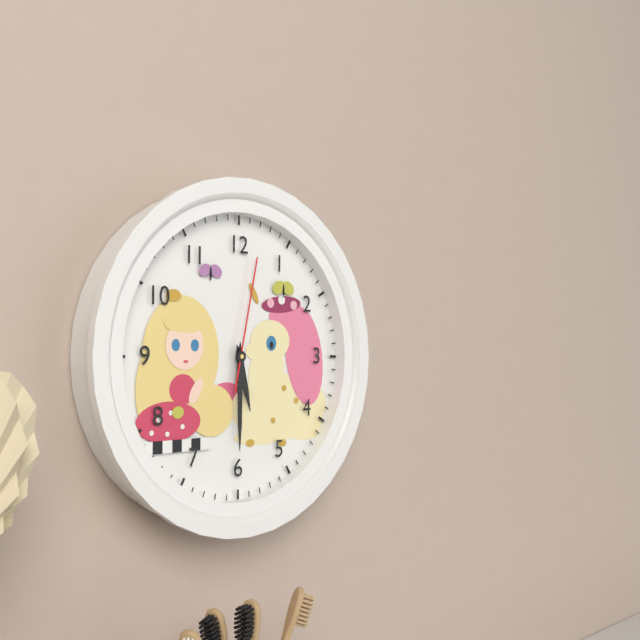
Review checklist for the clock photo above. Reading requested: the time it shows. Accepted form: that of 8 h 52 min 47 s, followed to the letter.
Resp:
5 h 30 min 02 s
